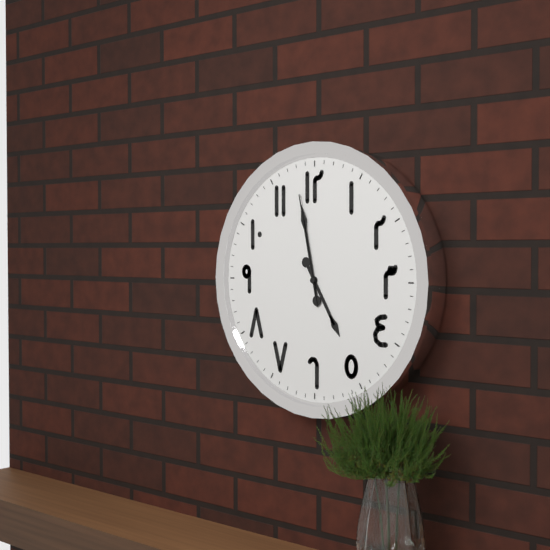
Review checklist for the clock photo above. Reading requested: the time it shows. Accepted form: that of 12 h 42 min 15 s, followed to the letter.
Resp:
4 h 58 min 58 s
